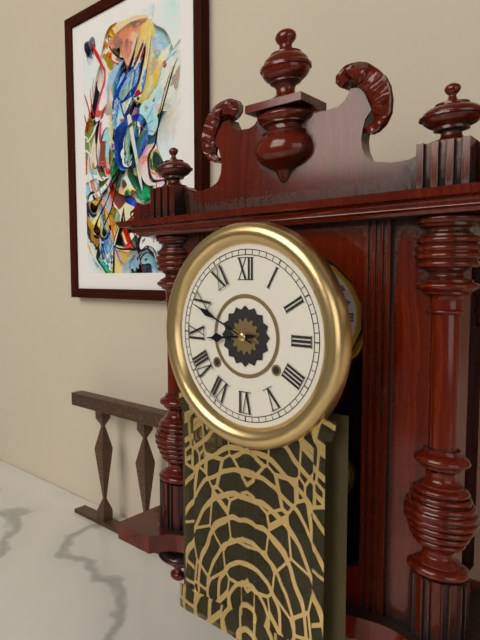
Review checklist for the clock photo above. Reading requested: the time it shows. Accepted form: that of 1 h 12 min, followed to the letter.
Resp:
8 h 49 min
